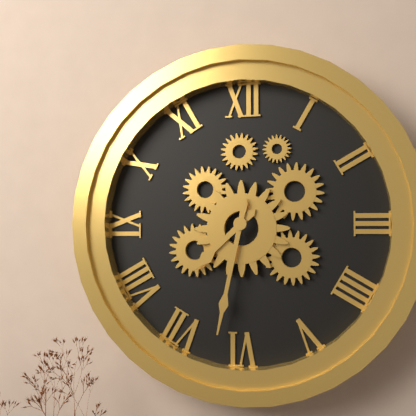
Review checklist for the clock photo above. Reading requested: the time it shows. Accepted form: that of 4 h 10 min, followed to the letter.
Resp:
7 h 32 min
